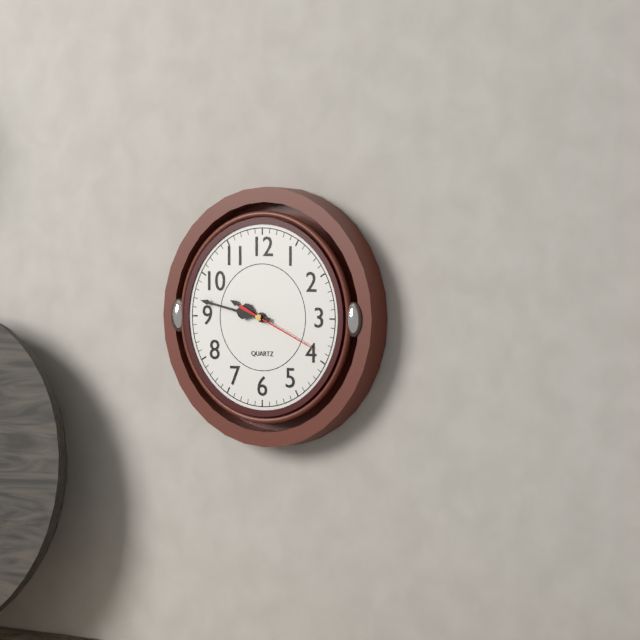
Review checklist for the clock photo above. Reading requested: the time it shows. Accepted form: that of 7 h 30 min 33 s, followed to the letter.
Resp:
9 h 47 min 19 s
